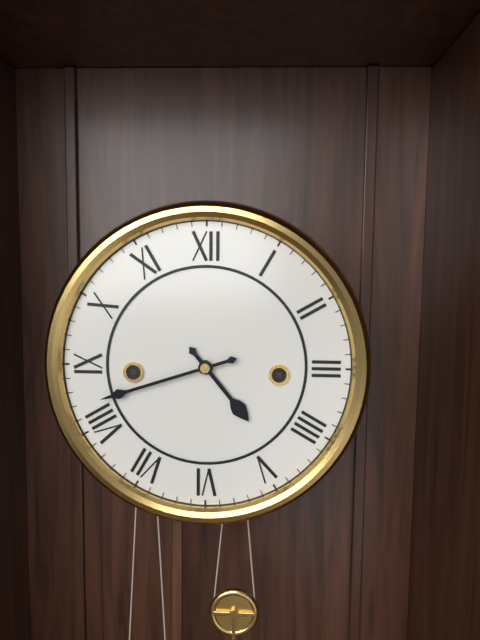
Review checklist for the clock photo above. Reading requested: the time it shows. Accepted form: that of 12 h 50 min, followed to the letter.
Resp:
4 h 42 min
